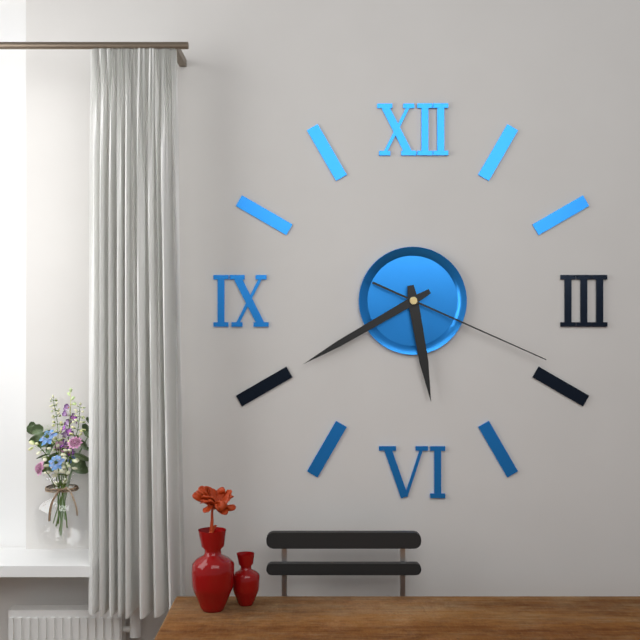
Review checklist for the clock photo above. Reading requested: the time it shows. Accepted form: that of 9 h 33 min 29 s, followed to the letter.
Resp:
5 h 40 min 19 s
